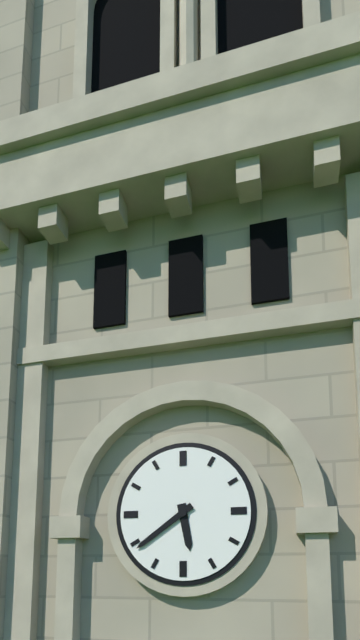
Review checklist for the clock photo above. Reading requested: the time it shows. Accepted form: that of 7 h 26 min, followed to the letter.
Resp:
5 h 39 min
